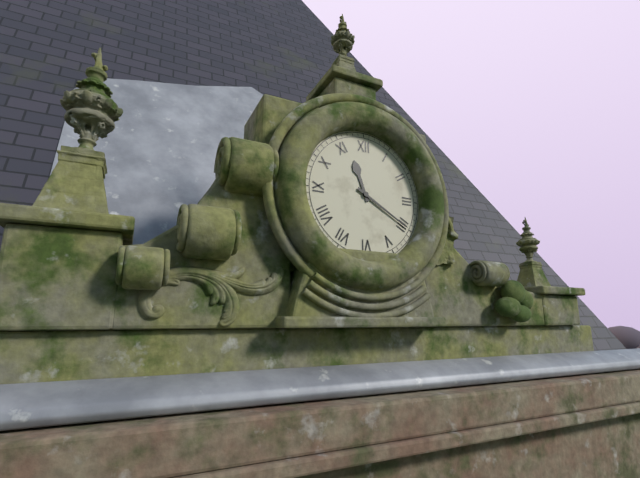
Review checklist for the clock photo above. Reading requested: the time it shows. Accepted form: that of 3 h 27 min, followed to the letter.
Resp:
11 h 20 min
